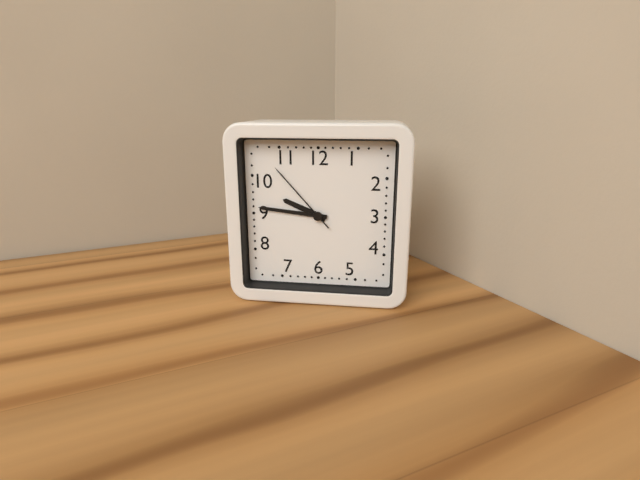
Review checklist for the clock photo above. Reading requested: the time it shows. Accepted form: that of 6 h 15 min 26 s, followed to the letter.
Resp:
9 h 46 min 53 s
